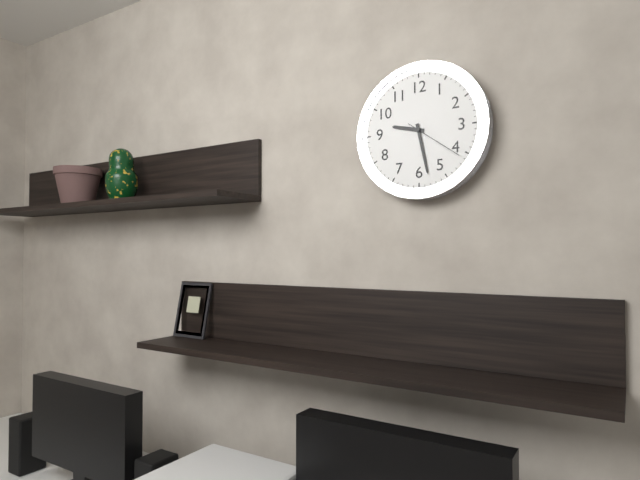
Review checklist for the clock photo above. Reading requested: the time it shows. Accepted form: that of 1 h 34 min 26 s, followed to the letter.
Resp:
9 h 28 min 21 s
